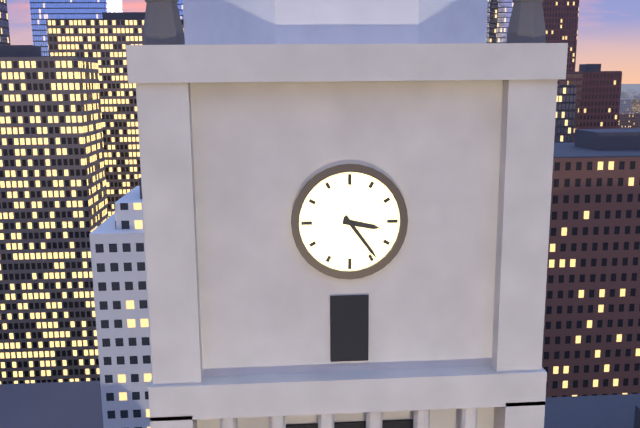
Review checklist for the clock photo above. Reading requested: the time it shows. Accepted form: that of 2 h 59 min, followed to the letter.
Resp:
3 h 24 min
